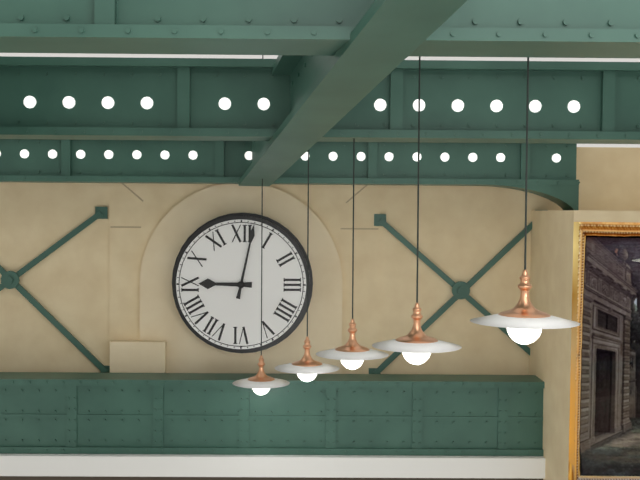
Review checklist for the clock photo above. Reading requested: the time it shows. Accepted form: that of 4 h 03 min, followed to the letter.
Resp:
9 h 02 min
